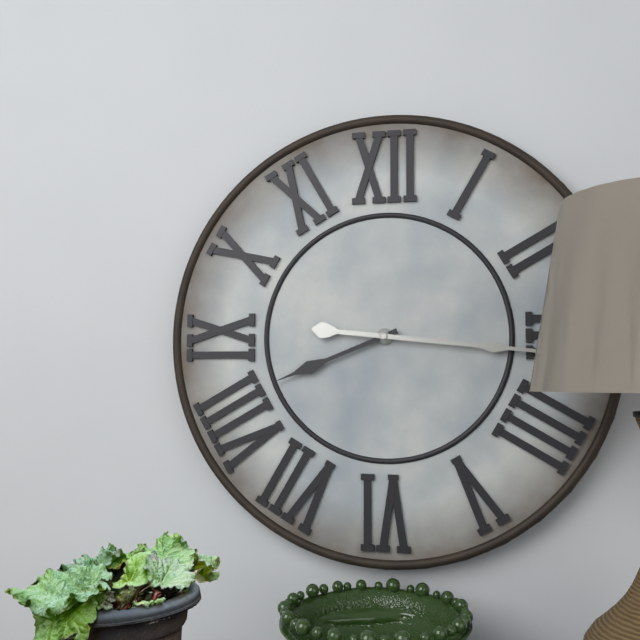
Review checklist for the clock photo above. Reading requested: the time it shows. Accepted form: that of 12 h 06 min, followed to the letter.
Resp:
8 h 16 min
